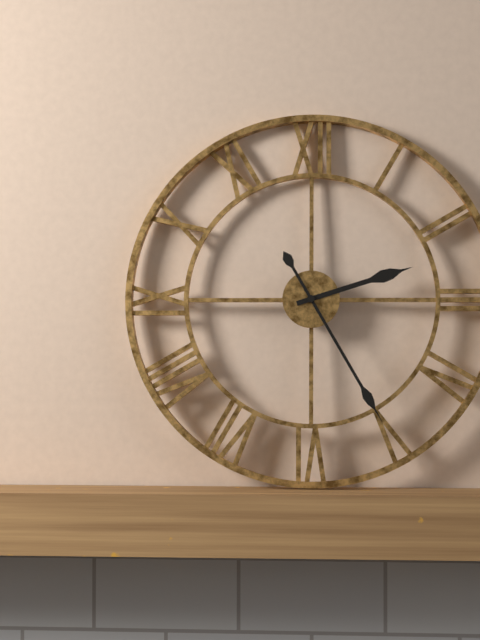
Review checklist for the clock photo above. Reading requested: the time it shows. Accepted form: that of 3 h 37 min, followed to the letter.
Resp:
2 h 25 min
